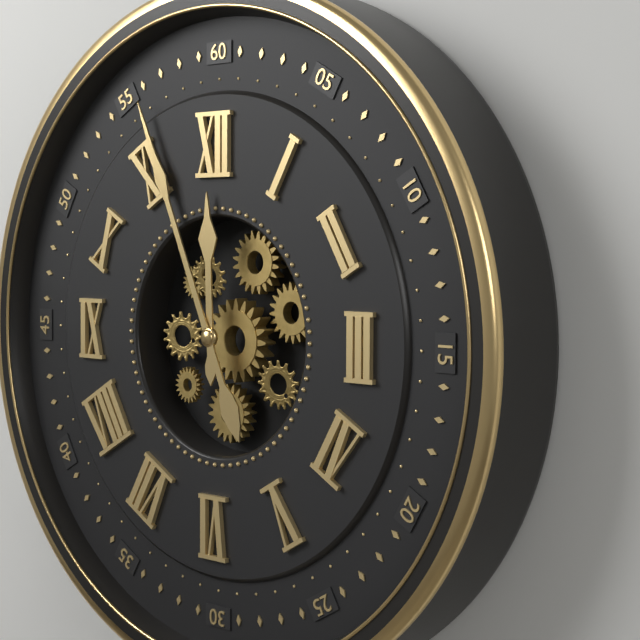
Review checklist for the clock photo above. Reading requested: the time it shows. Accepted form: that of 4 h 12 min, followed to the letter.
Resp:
11 h 56 min
